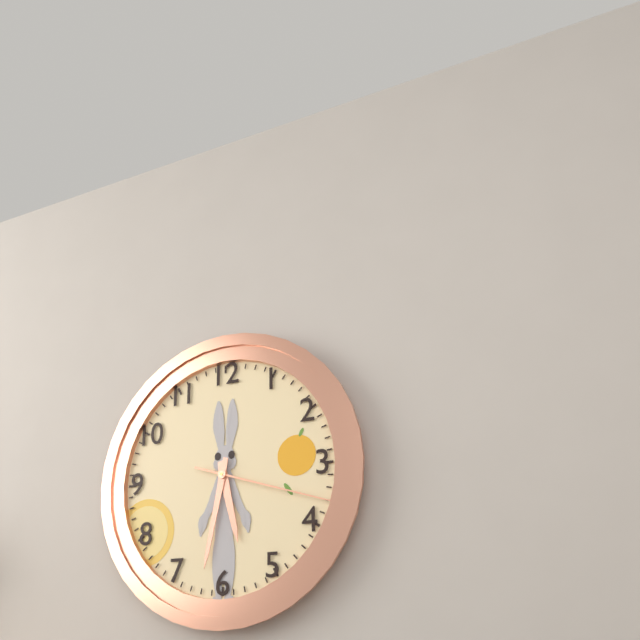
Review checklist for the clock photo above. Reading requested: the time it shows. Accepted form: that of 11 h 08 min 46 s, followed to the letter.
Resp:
5 h 32 min 18 s
